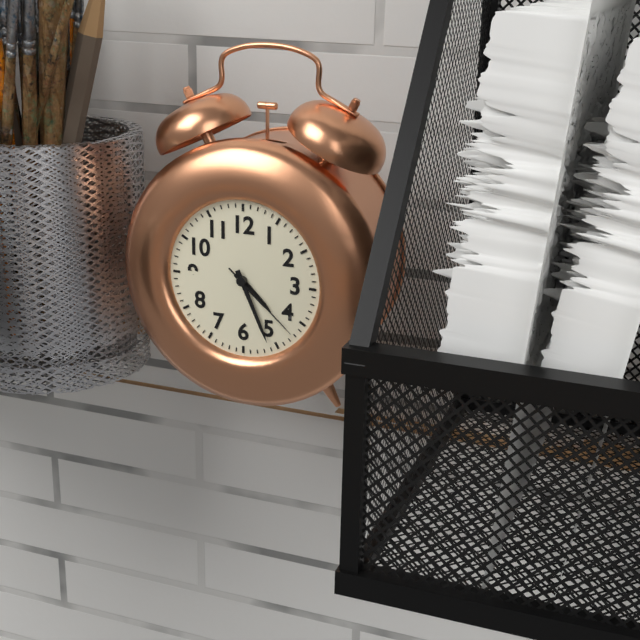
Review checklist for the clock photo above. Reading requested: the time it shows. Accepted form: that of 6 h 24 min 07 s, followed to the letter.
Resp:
4 h 26 min 22 s
